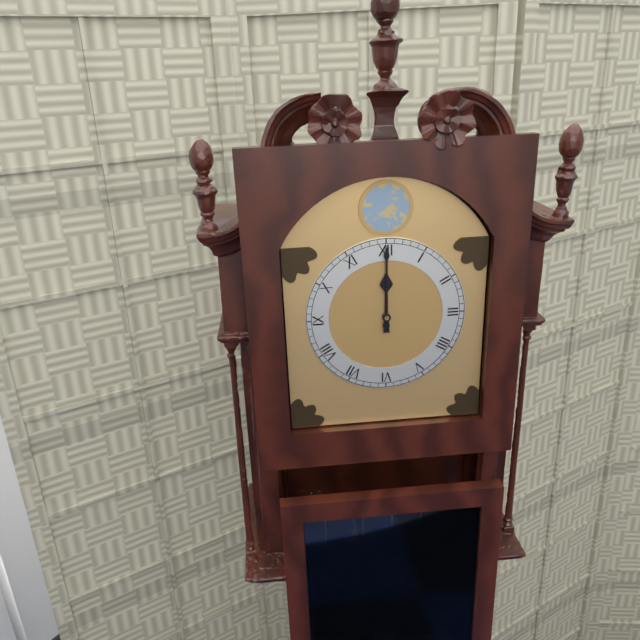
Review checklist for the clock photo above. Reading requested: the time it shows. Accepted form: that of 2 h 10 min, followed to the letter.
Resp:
12 h 00 min
